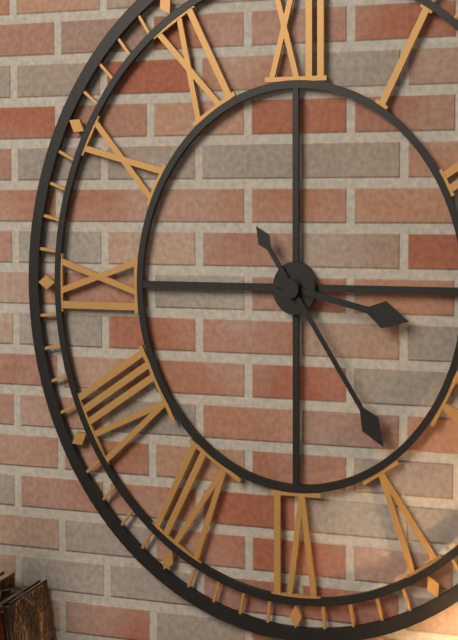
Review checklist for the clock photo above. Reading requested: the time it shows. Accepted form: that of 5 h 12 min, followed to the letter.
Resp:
3 h 24 min
